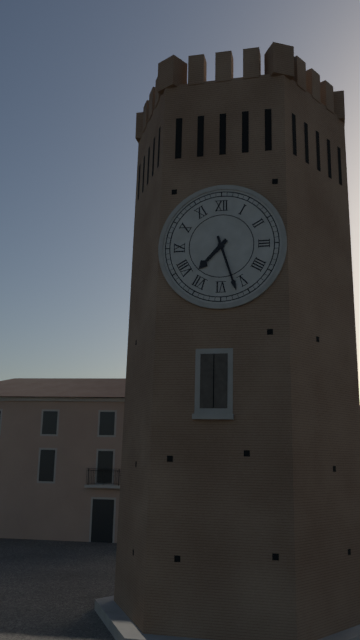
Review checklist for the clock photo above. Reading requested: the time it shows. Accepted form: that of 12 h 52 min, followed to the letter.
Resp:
7 h 27 min
